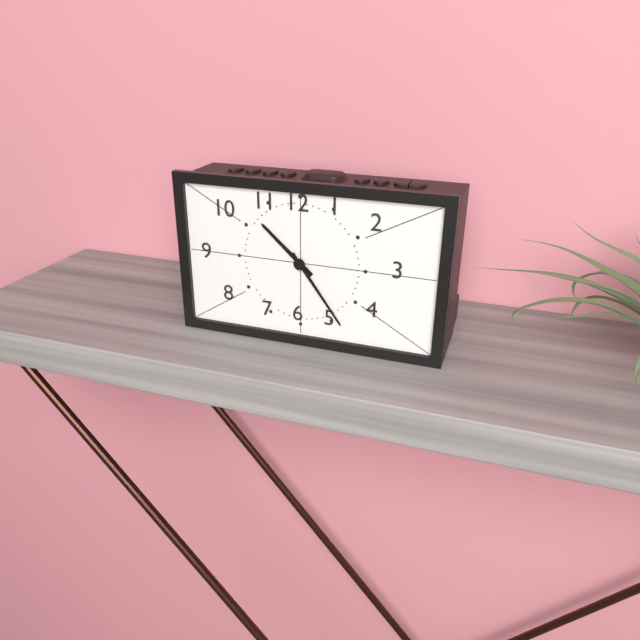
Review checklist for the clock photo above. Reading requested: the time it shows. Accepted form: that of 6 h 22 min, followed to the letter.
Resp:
10 h 24 min
